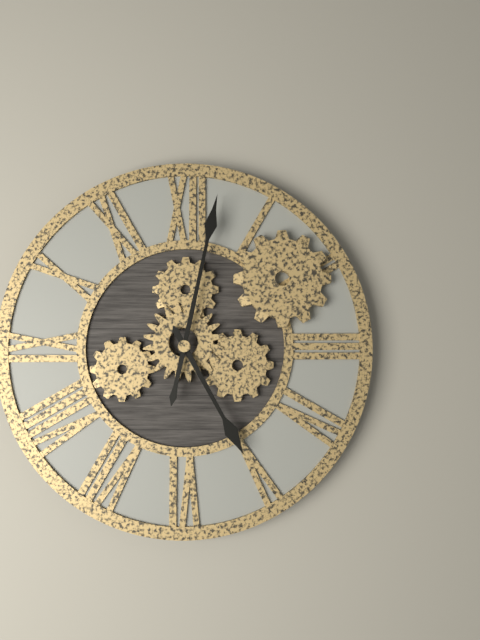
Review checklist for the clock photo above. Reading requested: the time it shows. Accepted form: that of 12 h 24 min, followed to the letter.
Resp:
5 h 02 min
